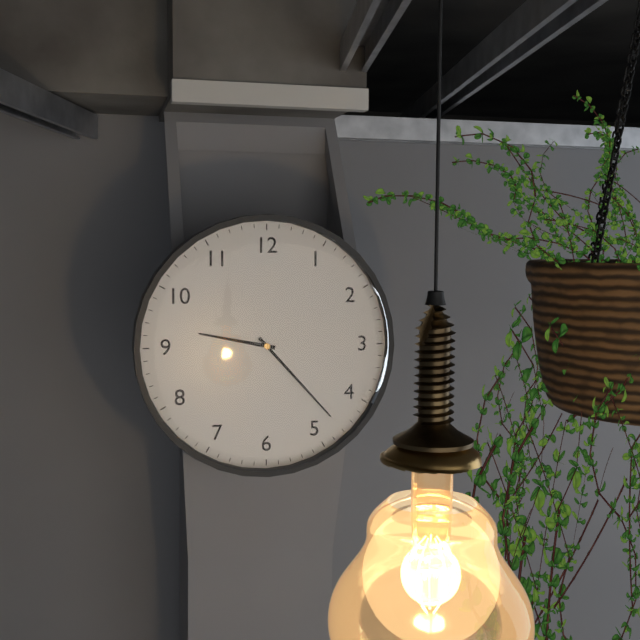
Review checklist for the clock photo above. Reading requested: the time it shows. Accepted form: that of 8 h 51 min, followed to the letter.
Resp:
9 h 23 min
